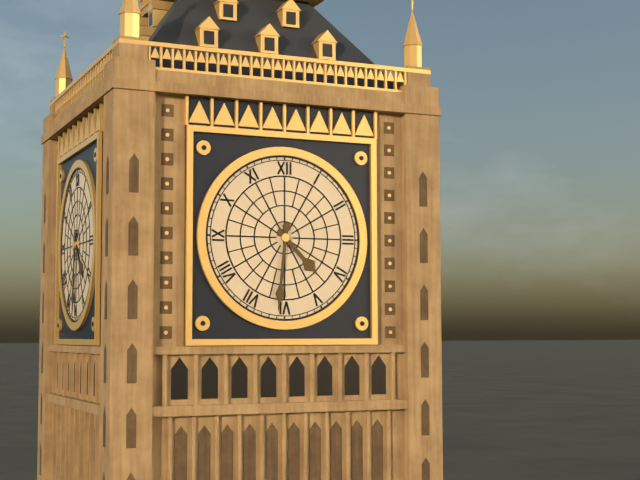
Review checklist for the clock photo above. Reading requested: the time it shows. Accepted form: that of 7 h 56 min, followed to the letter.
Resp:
4 h 31 min
